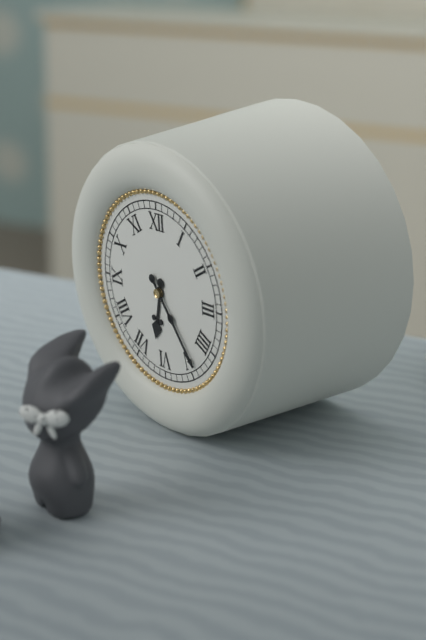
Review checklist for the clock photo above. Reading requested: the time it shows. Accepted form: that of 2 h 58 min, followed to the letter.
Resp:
6 h 24 min
